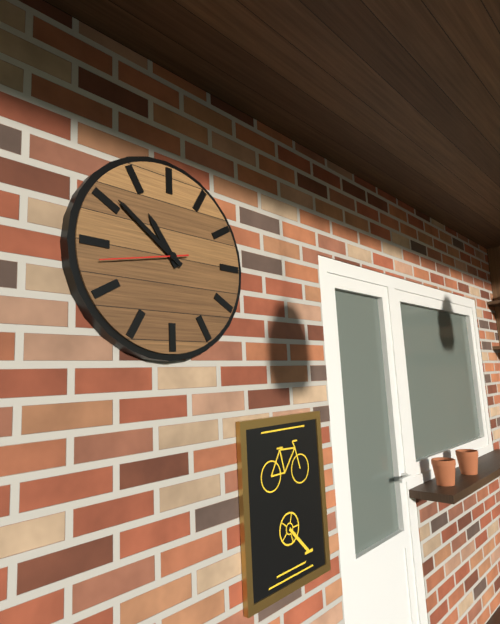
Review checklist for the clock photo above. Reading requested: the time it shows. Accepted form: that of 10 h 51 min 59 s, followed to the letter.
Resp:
10 h 51 min 43 s
